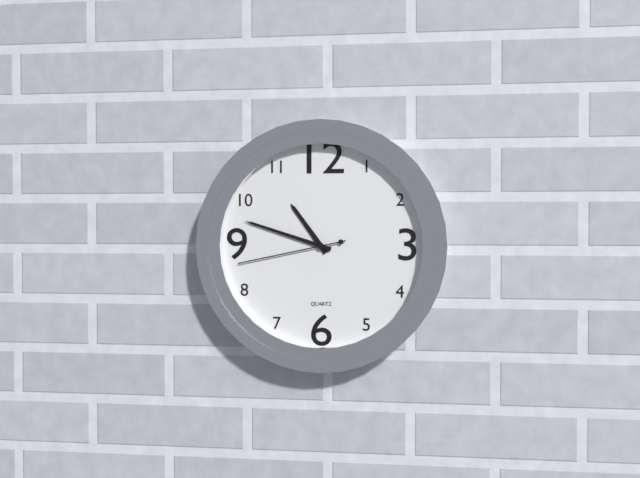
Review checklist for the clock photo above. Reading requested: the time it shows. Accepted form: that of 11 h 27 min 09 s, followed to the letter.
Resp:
10 h 48 min 43 s
